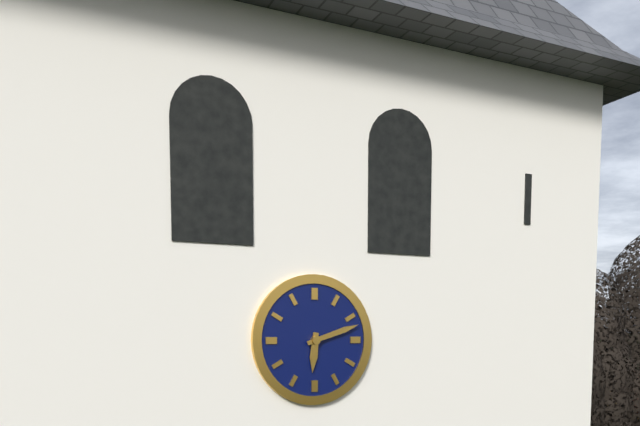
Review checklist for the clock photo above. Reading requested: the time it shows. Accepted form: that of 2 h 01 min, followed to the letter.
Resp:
6 h 12 min
